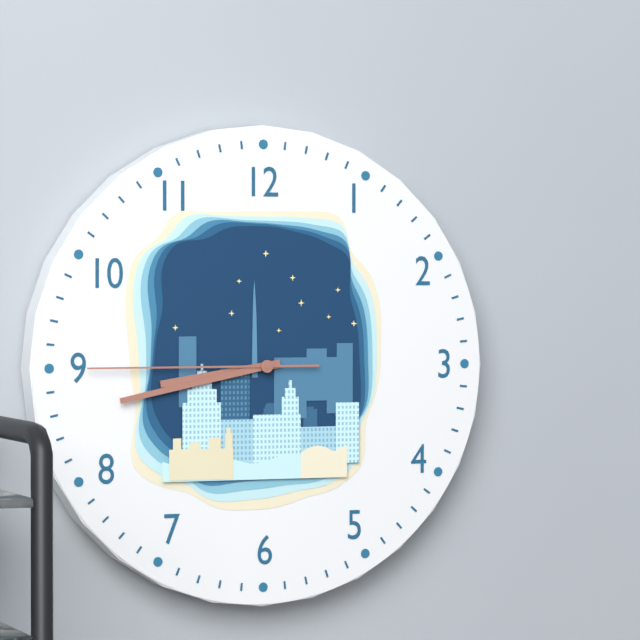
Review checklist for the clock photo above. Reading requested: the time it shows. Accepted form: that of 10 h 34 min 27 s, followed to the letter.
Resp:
8 h 43 min 45 s
